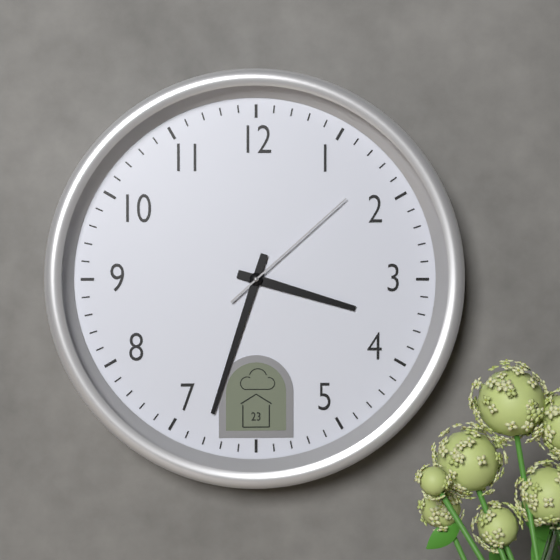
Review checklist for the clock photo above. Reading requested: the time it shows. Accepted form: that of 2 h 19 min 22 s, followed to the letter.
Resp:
3 h 33 min 08 s
